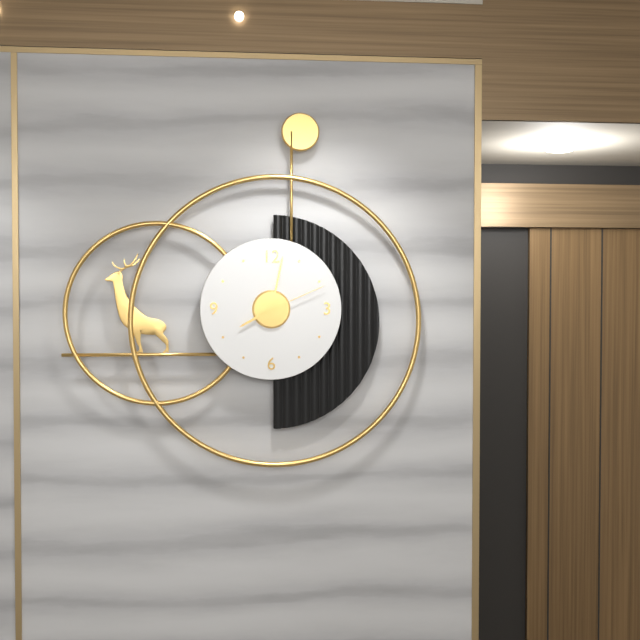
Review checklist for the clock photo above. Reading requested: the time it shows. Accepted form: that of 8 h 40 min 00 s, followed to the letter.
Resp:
8 h 02 min 11 s
